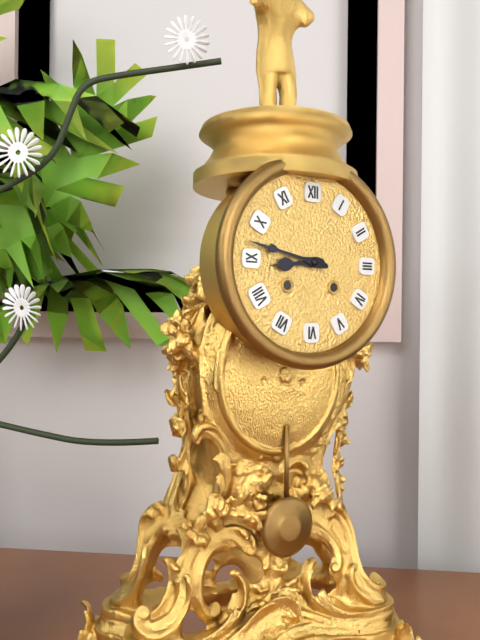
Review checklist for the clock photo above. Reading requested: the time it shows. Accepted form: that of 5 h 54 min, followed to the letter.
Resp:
8 h 47 min
